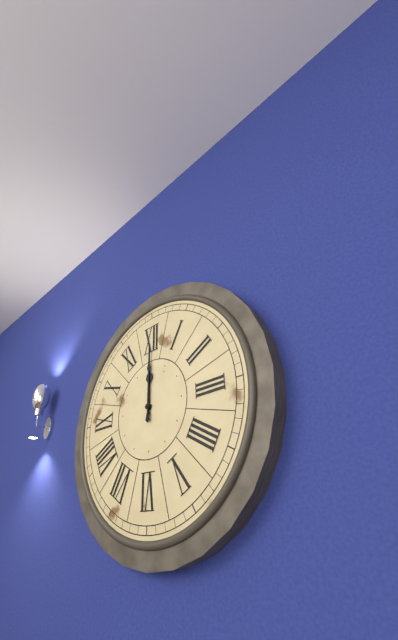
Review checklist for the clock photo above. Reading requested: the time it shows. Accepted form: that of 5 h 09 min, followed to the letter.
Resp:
12 h 00 min
